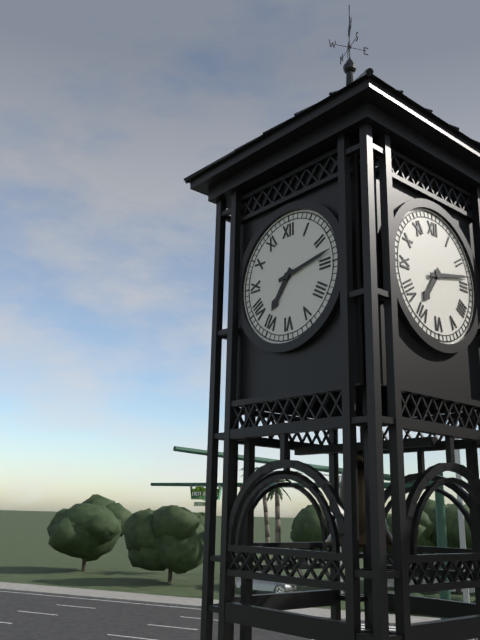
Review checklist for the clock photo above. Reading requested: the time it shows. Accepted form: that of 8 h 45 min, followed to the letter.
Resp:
7 h 13 min
